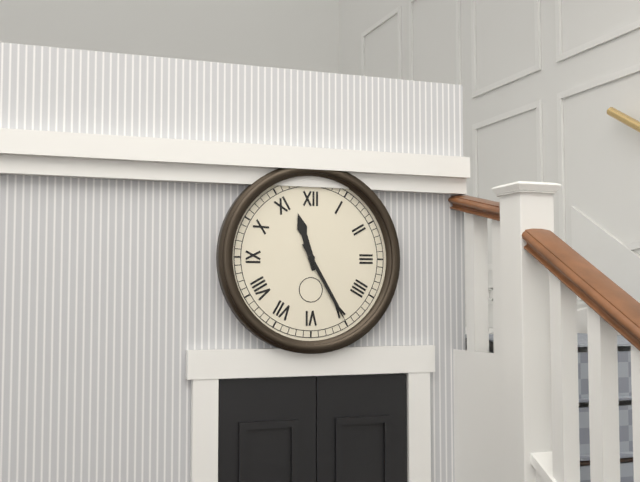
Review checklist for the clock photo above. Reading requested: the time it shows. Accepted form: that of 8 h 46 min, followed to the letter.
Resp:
11 h 25 min
